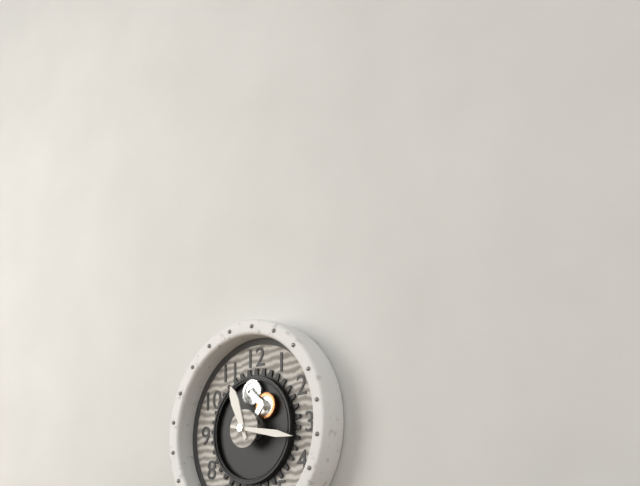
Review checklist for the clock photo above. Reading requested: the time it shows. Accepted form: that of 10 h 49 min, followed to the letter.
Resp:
11 h 17 min
